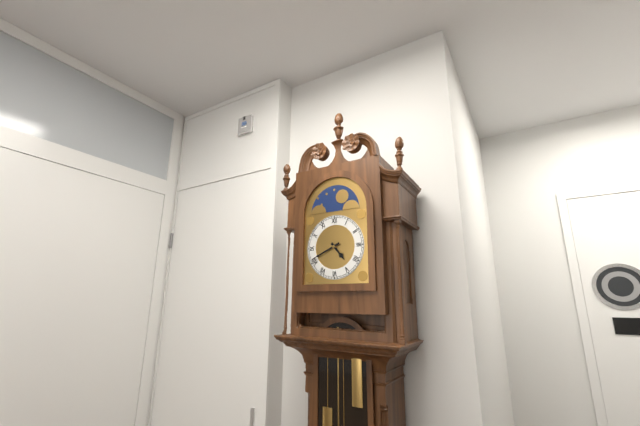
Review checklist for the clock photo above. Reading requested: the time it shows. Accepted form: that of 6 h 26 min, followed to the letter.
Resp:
4 h 41 min
